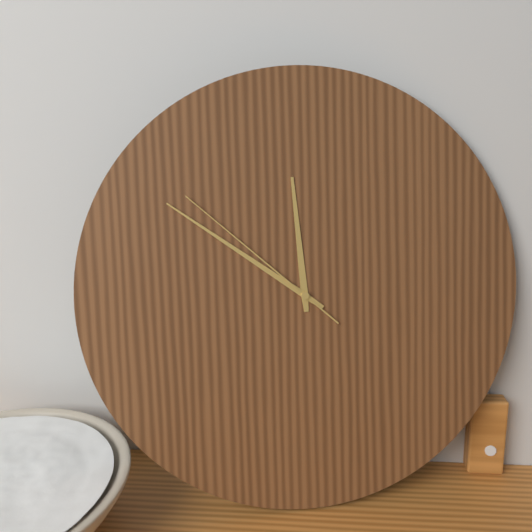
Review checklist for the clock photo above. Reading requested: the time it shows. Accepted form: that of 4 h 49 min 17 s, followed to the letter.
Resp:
11 h 51 min 52 s
